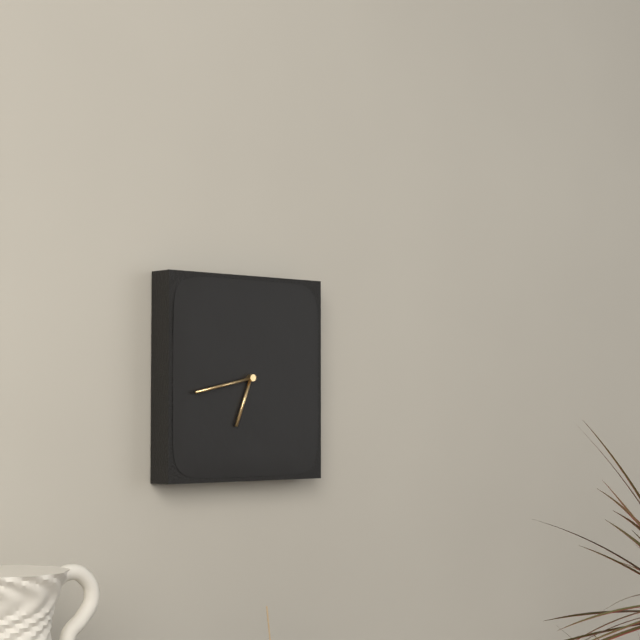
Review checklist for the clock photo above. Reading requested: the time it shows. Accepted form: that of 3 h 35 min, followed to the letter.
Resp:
6 h 43 min
